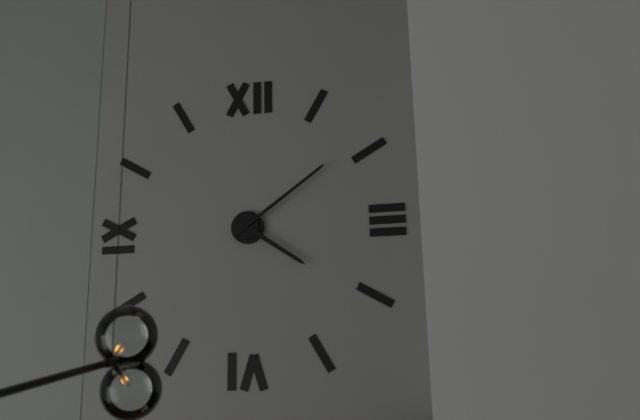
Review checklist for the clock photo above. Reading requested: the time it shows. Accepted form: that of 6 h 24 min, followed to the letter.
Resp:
4 h 09 min
